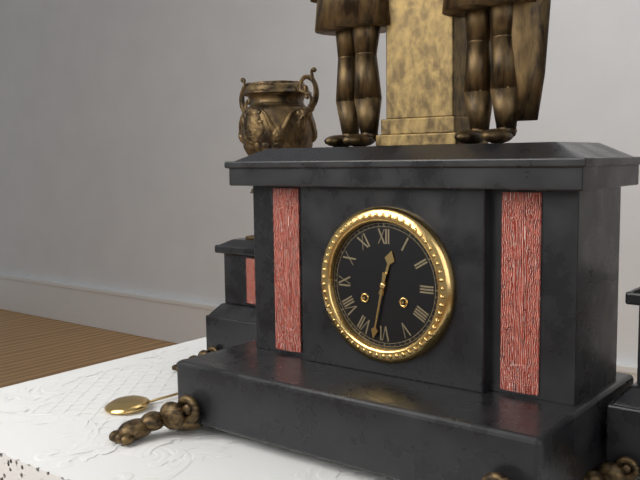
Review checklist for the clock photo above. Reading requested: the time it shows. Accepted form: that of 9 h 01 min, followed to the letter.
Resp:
12 h 32 min
